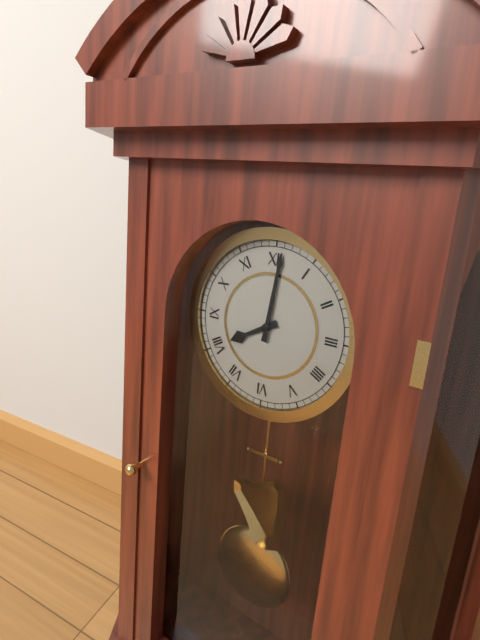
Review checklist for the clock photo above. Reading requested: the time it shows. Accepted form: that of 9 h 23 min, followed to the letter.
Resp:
8 h 01 min
